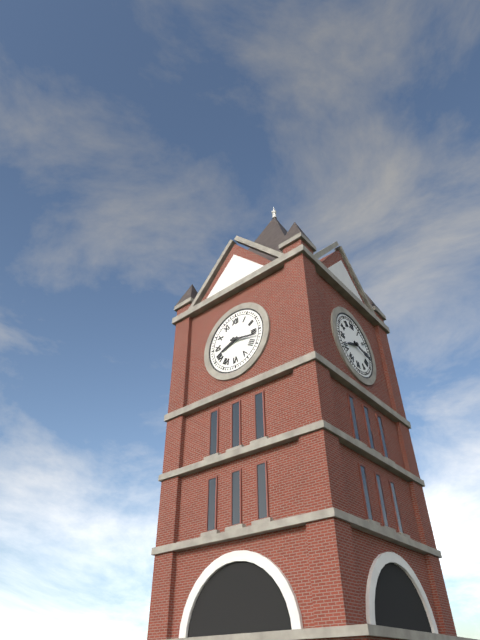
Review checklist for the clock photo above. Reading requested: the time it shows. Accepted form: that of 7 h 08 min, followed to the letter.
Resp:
8 h 17 min
